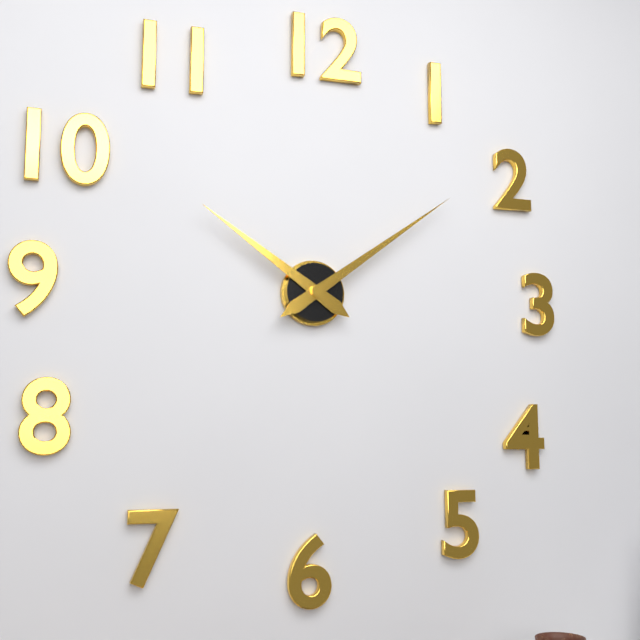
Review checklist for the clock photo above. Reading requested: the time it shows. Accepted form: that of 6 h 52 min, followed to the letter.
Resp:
10 h 09 min
